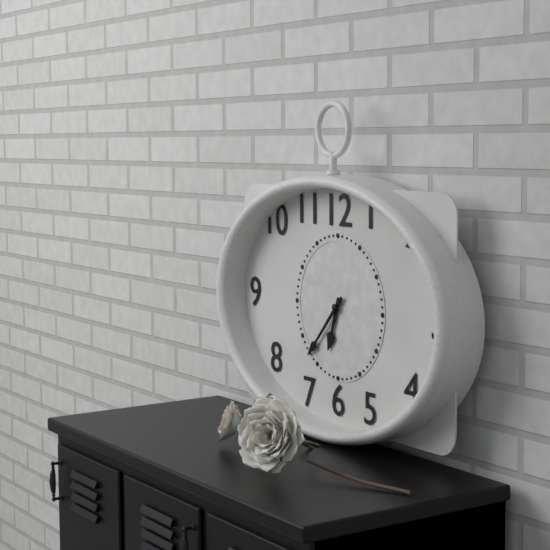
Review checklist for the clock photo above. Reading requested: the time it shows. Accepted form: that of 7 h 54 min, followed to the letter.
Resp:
6 h 37 min
